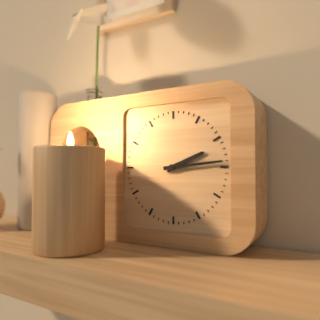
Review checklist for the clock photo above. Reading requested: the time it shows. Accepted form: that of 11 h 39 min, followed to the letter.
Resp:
2 h 14 min
